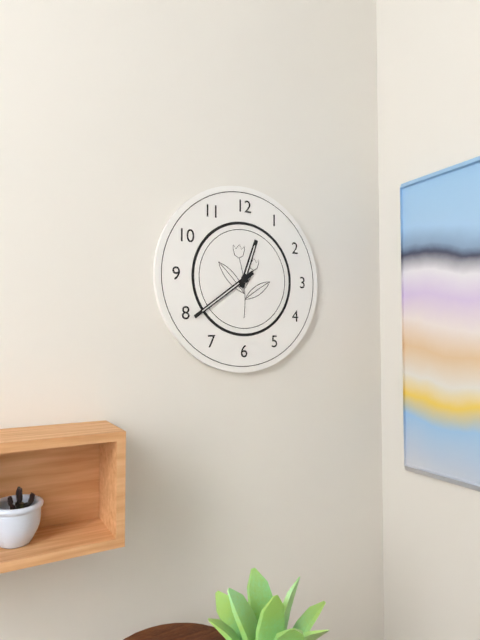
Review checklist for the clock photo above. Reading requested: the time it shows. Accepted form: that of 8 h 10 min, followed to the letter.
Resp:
12 h 39 min
